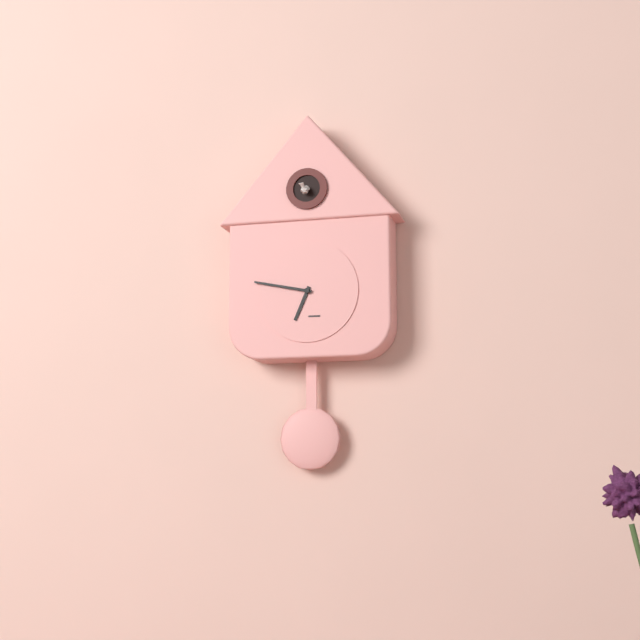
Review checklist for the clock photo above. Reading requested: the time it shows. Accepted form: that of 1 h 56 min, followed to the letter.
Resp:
6 h 47 min
